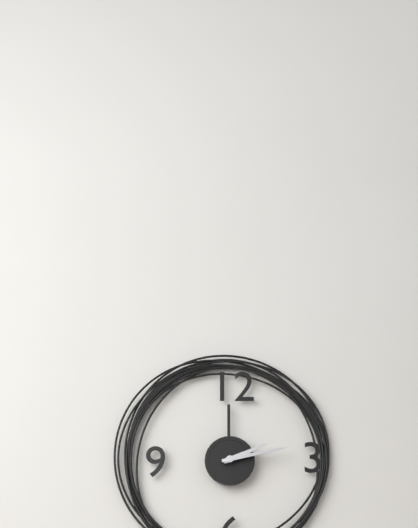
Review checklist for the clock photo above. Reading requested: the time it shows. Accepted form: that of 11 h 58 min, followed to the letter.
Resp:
2 h 13 min
